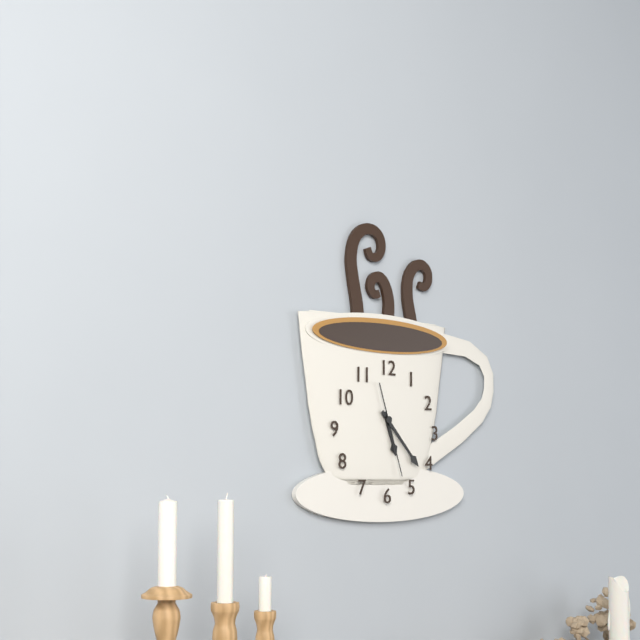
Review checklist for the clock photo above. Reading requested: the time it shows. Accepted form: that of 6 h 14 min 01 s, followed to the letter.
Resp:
5 h 23 min 27 s
